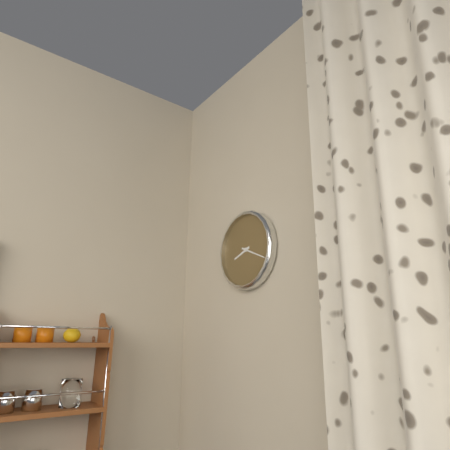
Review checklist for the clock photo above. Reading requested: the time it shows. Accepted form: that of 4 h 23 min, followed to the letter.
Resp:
8 h 19 min
